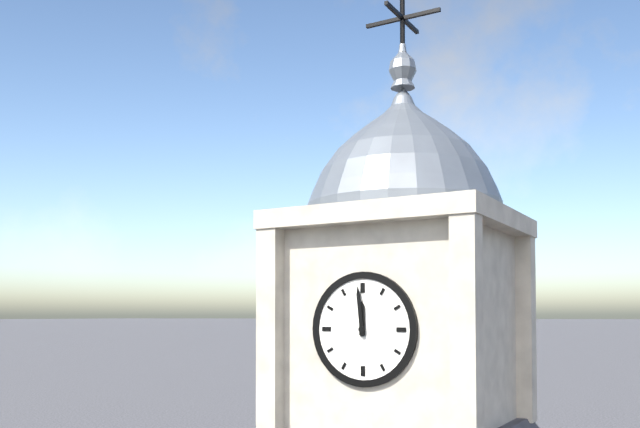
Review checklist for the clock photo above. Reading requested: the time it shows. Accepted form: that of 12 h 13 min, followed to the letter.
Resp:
11 h 59 min
